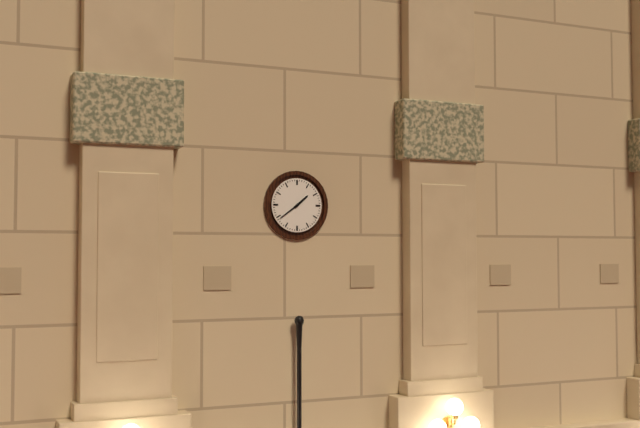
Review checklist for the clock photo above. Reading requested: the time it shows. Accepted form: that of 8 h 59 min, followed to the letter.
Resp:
1 h 39 min
